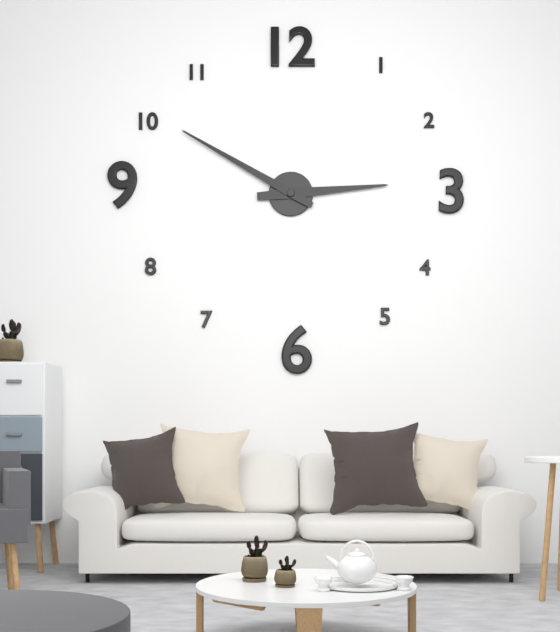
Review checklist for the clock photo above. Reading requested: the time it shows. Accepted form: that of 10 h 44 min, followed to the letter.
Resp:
2 h 50 min
